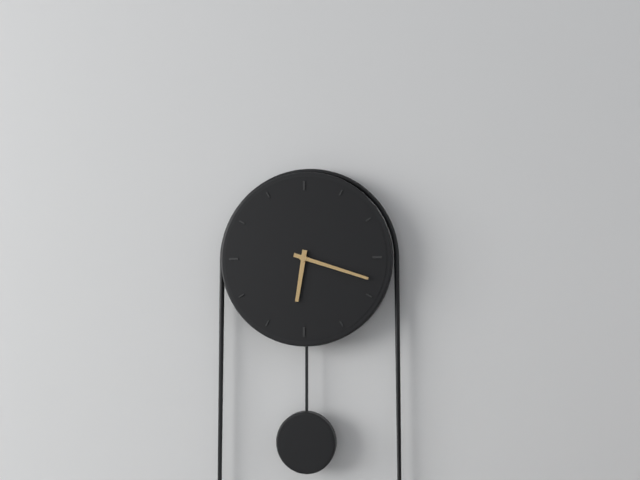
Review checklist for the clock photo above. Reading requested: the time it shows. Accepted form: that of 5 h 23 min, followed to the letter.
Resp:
6 h 18 min
